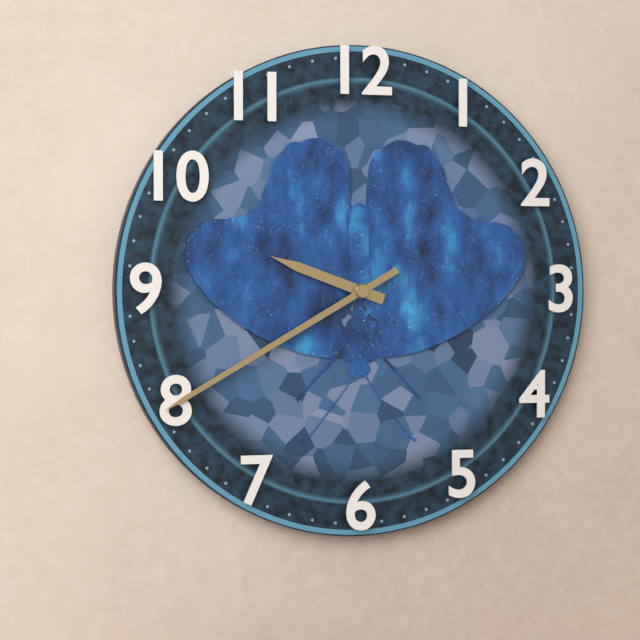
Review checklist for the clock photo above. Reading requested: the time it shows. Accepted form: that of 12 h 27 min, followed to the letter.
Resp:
9 h 40 min
